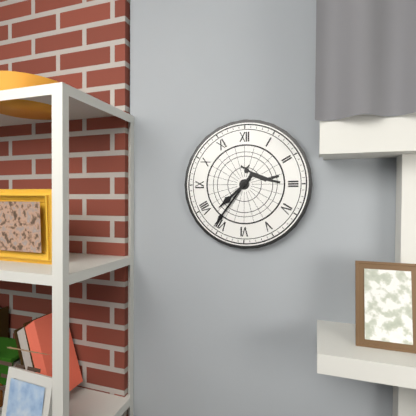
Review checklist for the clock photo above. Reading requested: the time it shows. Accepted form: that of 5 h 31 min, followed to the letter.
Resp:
7 h 36 min
